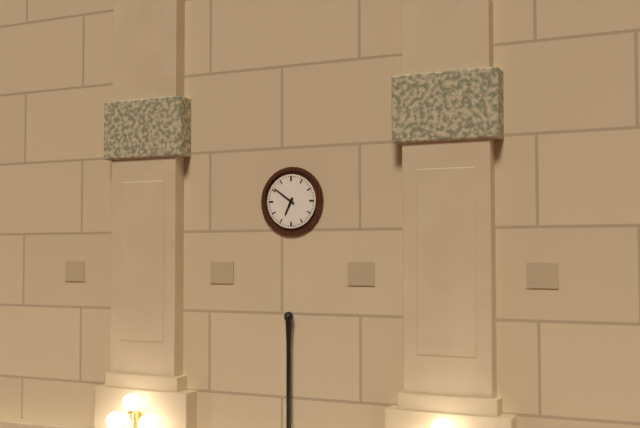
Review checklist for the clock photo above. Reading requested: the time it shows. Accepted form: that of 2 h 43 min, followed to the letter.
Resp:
6 h 51 min
